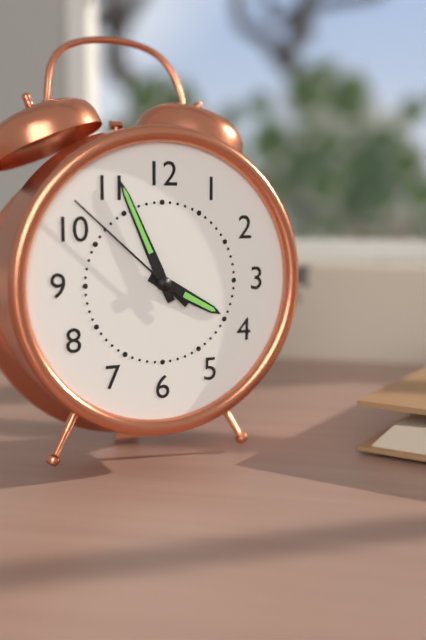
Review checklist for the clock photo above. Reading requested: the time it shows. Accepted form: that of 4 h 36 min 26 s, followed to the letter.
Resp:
3 h 56 min 52 s
